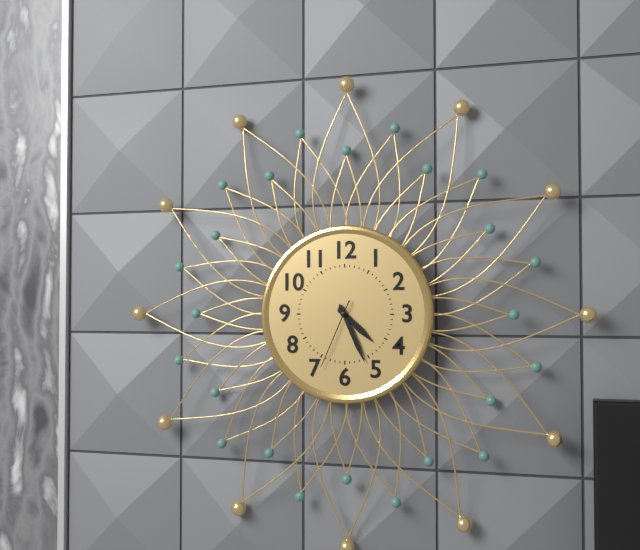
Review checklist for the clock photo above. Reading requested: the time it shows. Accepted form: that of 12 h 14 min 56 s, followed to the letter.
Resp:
4 h 26 min 34 s
